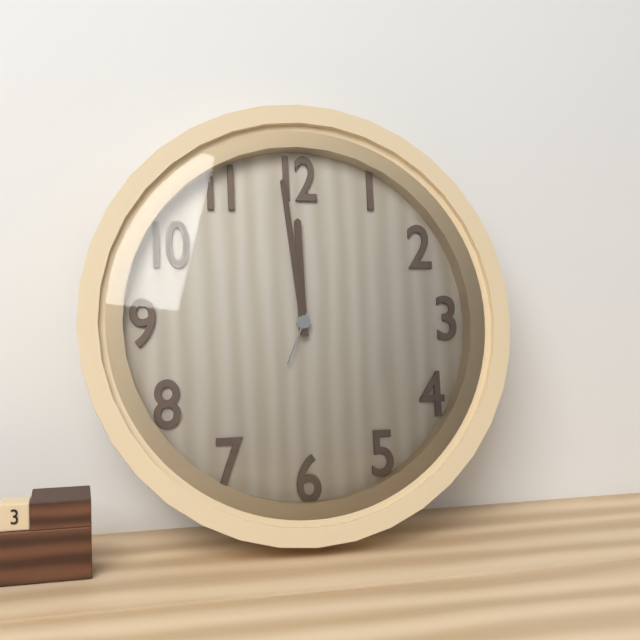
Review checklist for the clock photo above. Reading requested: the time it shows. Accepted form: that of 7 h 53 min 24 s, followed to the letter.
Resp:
11 h 59 min 34 s
